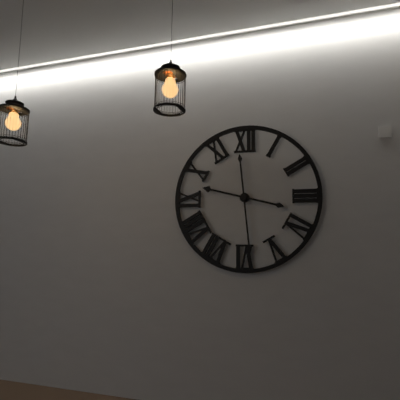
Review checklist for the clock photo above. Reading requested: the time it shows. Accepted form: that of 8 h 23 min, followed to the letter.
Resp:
9 h 29 min
